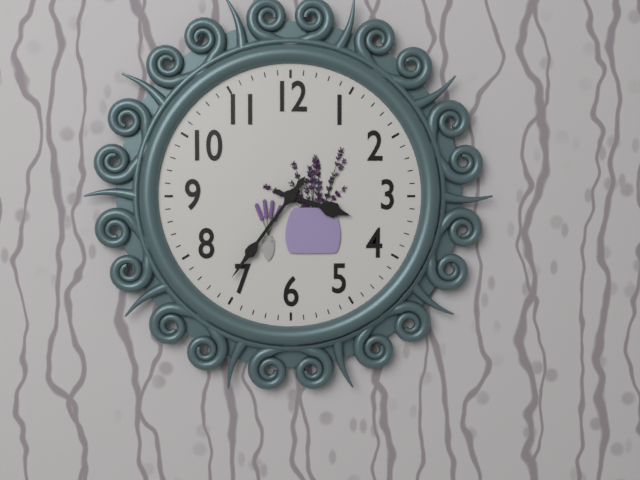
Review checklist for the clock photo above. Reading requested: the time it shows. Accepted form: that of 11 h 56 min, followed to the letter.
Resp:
3 h 36 min
